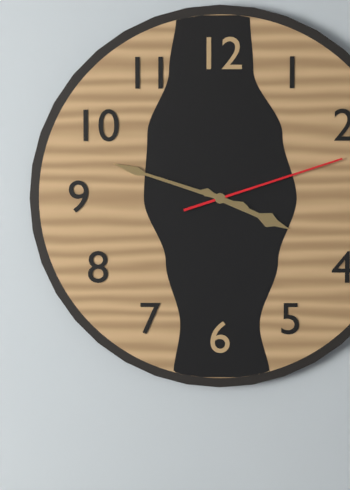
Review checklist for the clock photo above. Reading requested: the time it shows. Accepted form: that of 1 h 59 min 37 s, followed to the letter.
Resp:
3 h 48 min 12 s
